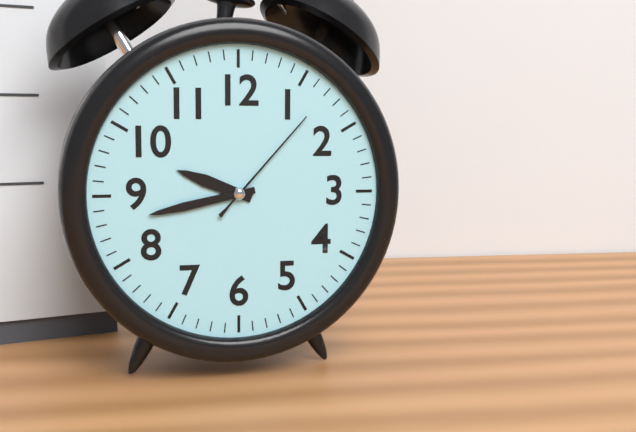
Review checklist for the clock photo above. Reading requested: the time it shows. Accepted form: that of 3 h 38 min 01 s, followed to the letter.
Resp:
9 h 43 min 07 s
